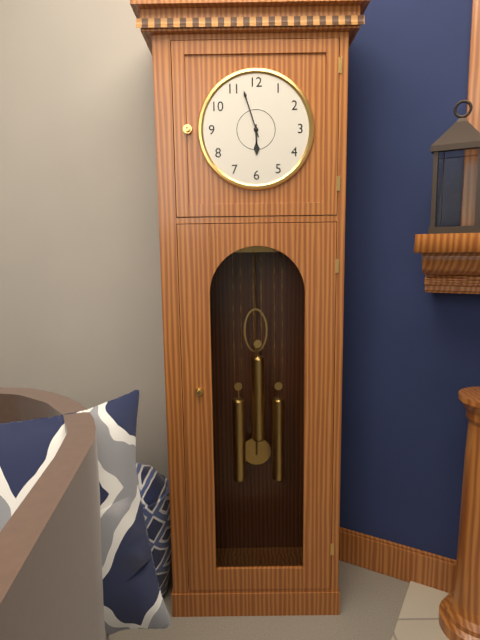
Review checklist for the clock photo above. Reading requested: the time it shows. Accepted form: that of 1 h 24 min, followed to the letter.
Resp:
5 h 57 min
